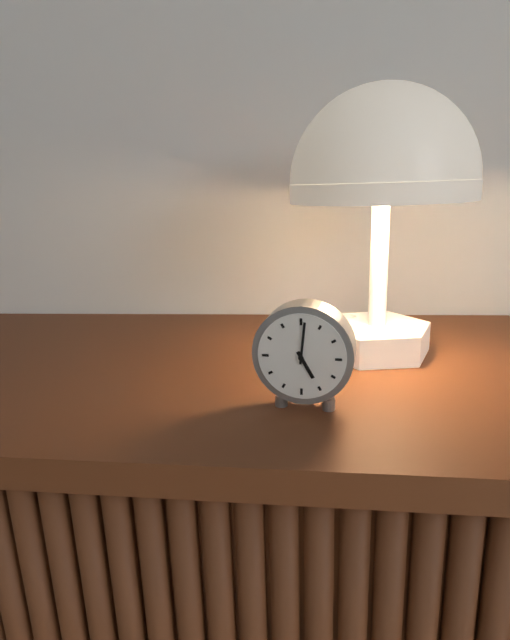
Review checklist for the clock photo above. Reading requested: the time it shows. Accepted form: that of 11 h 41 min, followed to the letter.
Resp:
5 h 01 min
